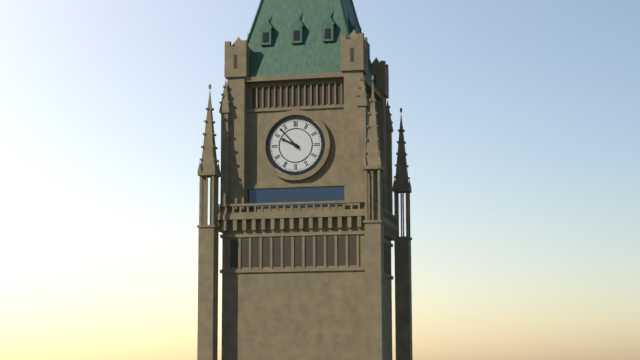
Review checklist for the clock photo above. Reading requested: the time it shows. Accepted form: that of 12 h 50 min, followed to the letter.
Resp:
9 h 53 min
